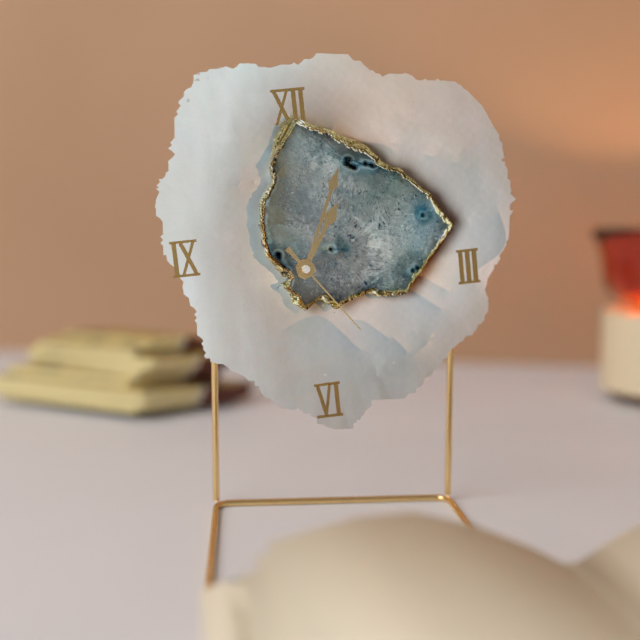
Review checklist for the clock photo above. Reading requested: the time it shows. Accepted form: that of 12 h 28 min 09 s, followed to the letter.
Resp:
1 h 04 min 24 s
